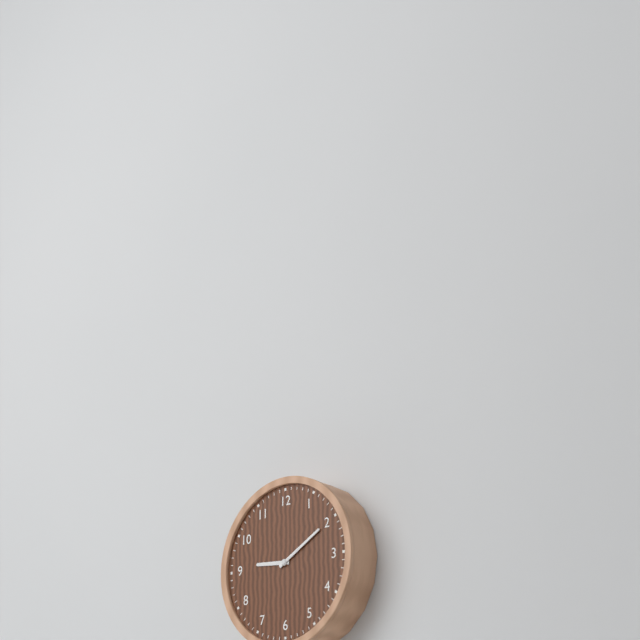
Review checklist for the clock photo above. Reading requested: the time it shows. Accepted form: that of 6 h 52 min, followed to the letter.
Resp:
9 h 10 min
